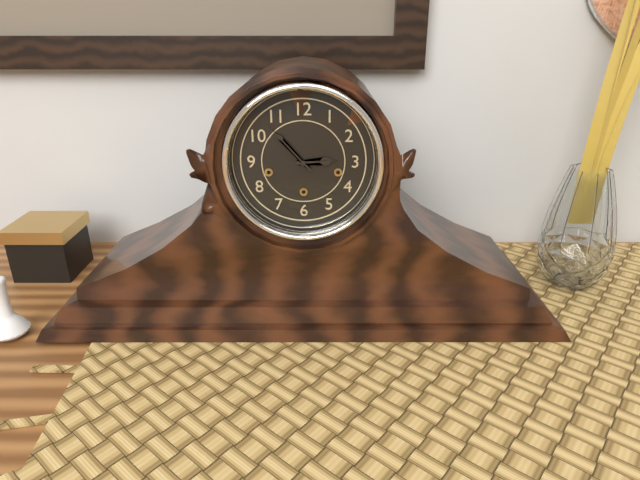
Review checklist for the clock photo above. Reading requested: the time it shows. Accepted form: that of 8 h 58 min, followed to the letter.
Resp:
2 h 53 min
